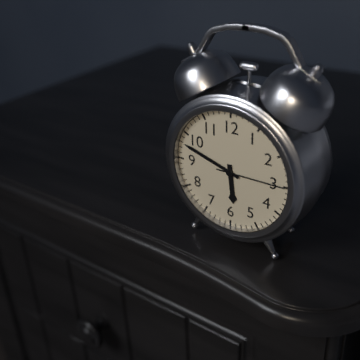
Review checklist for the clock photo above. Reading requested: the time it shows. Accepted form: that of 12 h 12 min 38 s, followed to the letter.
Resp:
5 h 48 min 15 s
